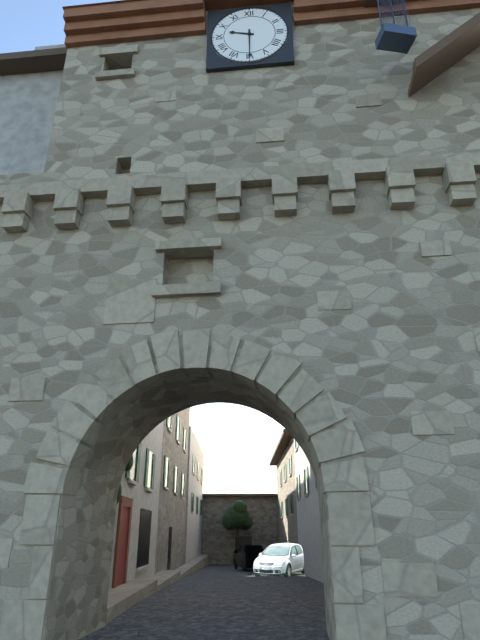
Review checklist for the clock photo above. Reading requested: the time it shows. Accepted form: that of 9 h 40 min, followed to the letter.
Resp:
9 h 30 min
